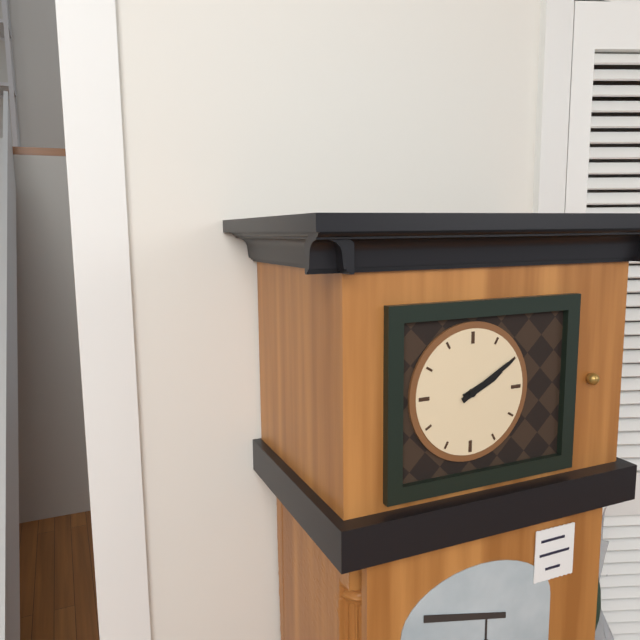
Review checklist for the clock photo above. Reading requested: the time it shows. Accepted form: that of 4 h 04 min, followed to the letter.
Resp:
2 h 10 min
